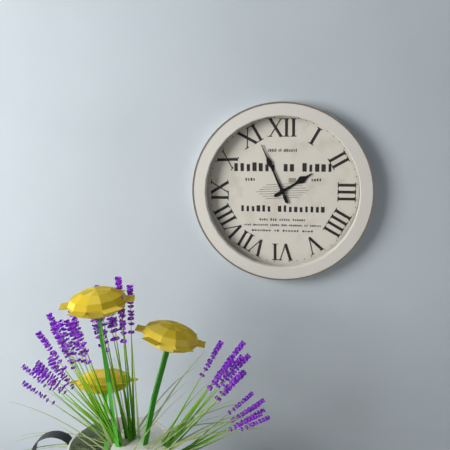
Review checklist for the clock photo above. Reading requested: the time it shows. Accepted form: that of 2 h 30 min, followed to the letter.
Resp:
1 h 56 min
